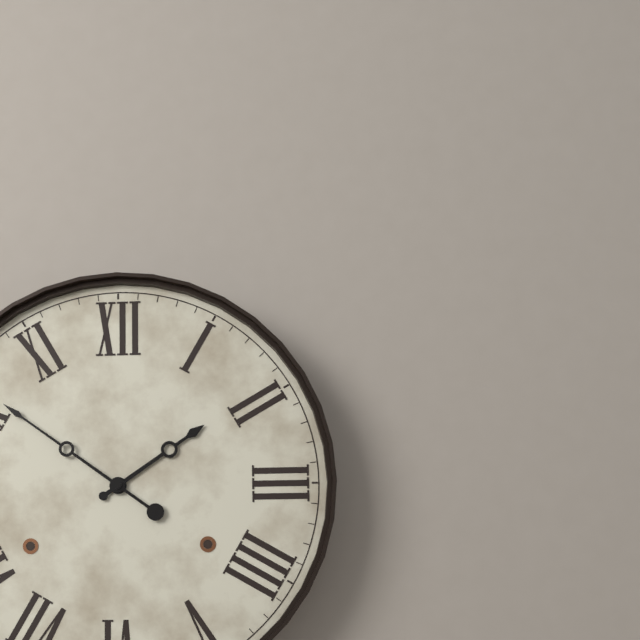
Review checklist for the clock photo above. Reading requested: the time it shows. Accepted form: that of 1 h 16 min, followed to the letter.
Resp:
1 h 51 min
